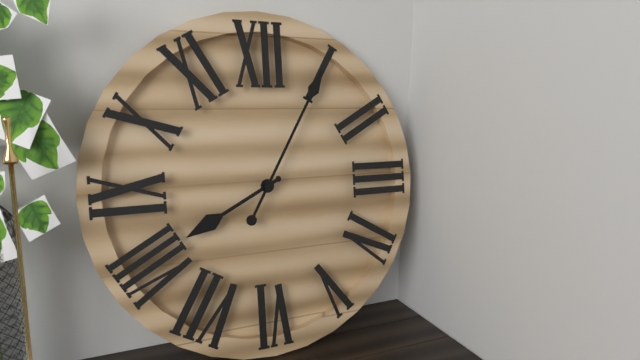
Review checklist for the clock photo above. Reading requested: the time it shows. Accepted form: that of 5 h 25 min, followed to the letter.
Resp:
8 h 05 min
